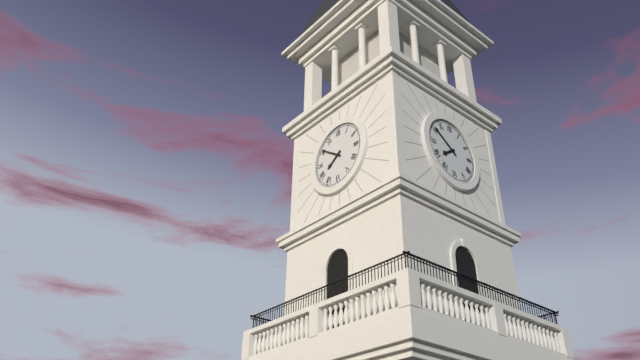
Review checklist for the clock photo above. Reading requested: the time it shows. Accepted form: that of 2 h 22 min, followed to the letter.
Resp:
7 h 51 min
